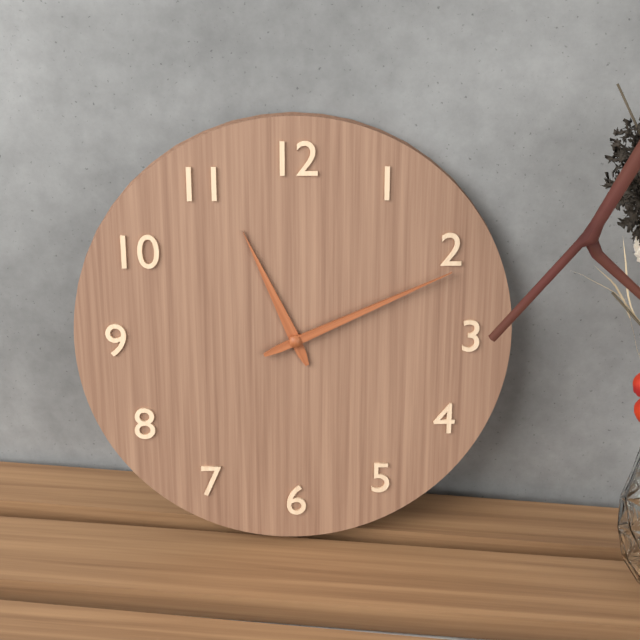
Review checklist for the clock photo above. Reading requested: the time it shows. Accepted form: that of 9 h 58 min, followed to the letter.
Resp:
11 h 11 min
